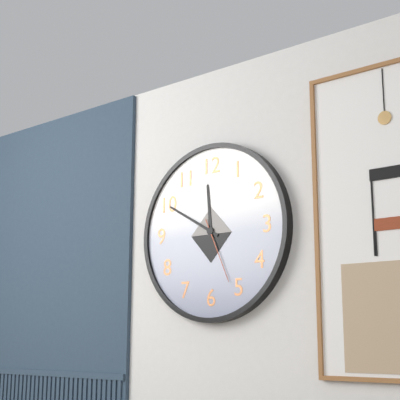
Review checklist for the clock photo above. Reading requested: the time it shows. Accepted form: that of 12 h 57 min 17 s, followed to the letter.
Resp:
11 h 50 min 26 s
